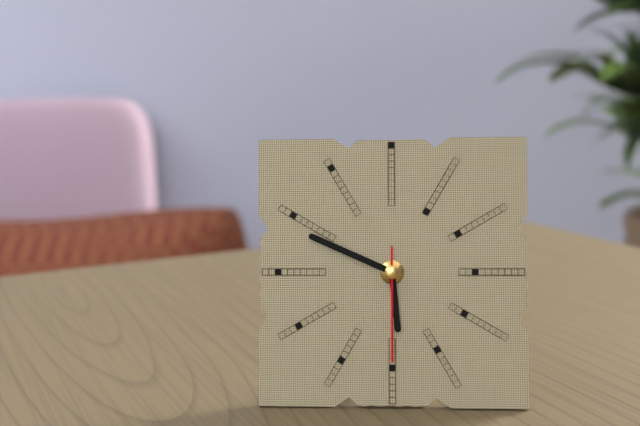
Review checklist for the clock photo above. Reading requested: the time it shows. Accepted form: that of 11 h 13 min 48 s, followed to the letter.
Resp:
5 h 49 min 30 s
